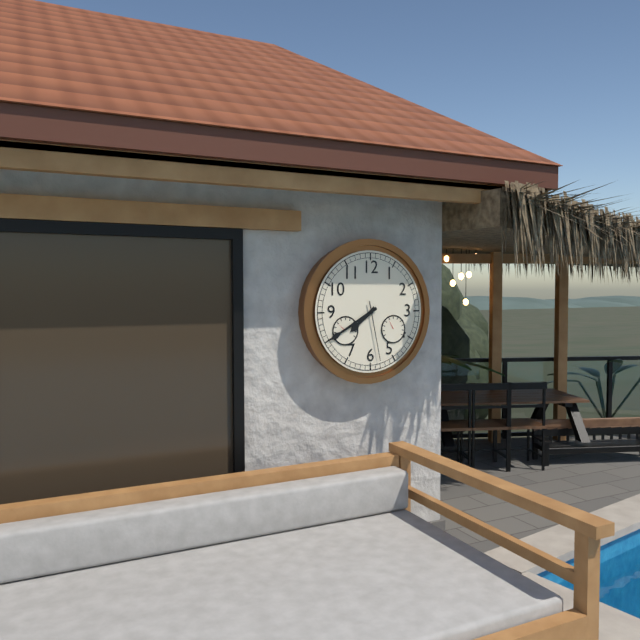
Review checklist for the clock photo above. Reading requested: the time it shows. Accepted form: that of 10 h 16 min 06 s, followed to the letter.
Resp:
7 h 40 min 28 s
